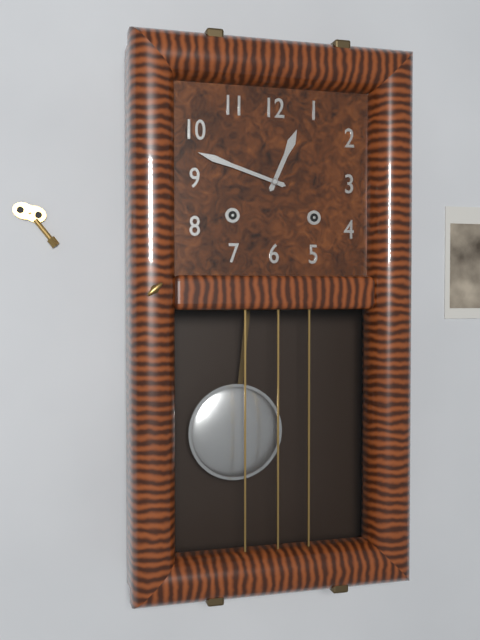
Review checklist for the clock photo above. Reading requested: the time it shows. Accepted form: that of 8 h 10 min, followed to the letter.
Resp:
12 h 48 min
